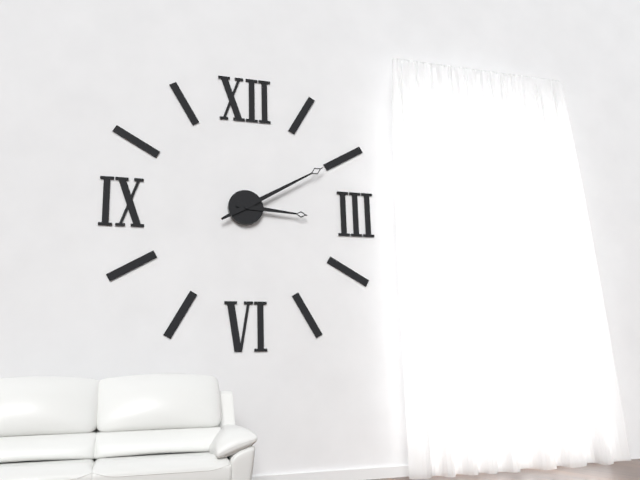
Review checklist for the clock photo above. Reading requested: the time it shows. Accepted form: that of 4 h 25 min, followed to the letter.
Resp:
3 h 10 min
